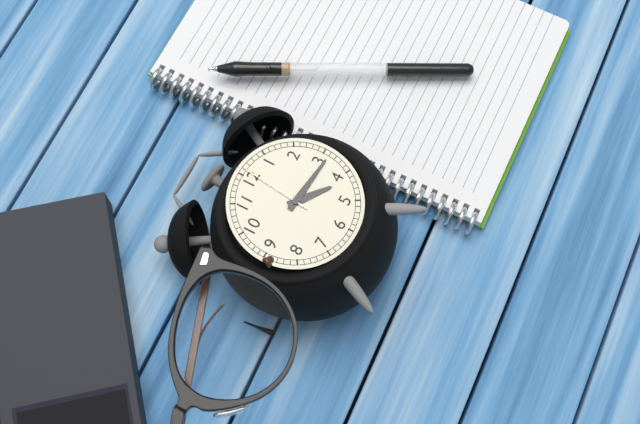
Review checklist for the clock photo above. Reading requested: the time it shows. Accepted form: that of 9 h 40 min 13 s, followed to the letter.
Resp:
4 h 16 min 01 s
